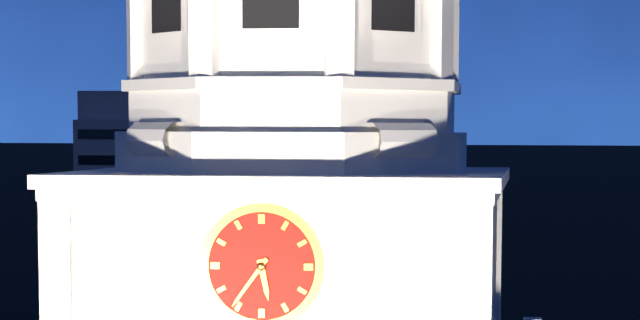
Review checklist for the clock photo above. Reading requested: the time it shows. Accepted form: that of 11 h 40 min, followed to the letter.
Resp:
5 h 36 min
